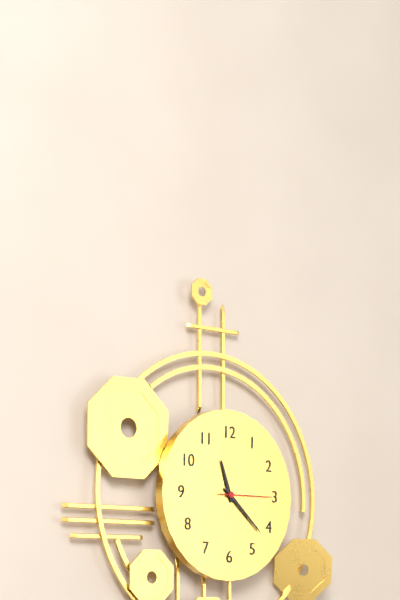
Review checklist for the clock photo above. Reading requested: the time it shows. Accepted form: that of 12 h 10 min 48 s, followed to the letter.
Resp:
11 h 22 min 15 s
